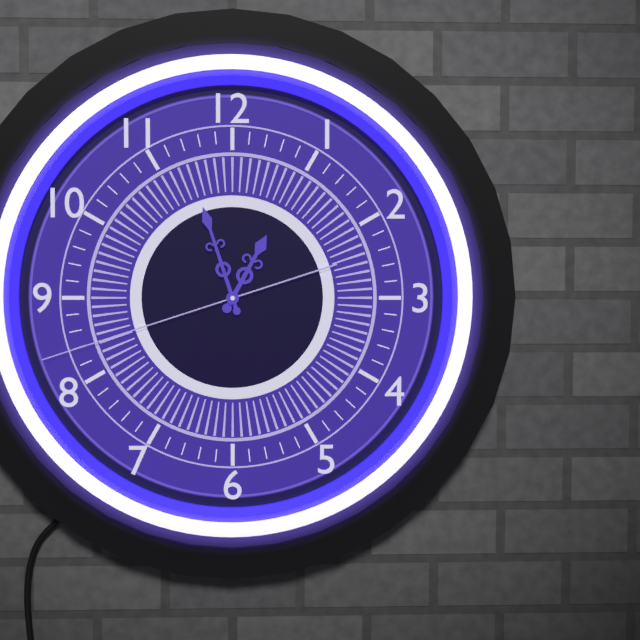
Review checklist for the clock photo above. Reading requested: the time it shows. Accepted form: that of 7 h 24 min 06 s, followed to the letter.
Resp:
12 h 57 min 42 s
